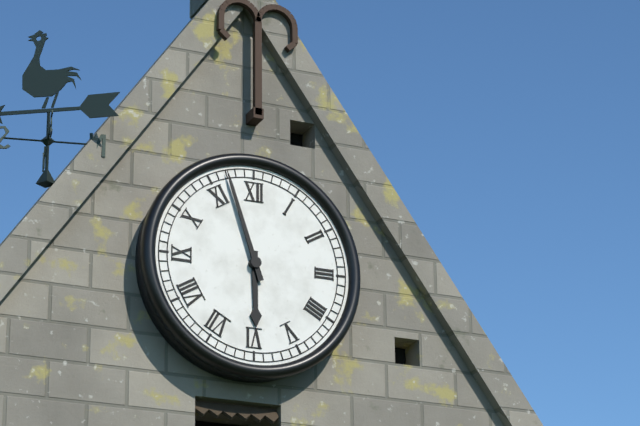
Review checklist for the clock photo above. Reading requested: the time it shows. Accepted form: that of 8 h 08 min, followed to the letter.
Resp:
5 h 57 min
